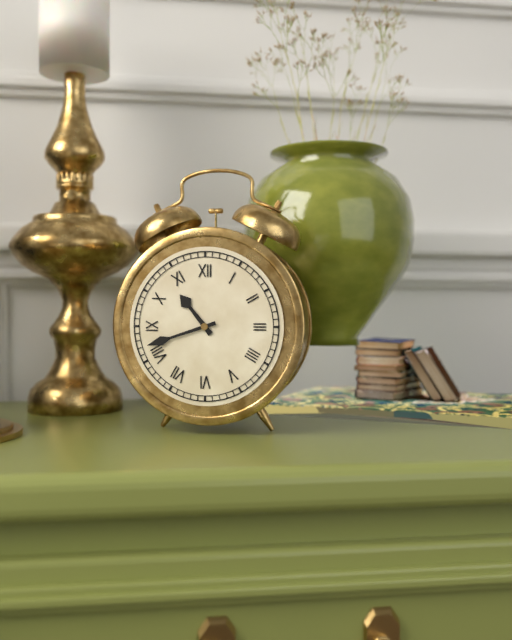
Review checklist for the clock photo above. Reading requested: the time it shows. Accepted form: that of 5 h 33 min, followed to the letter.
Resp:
10 h 42 min
